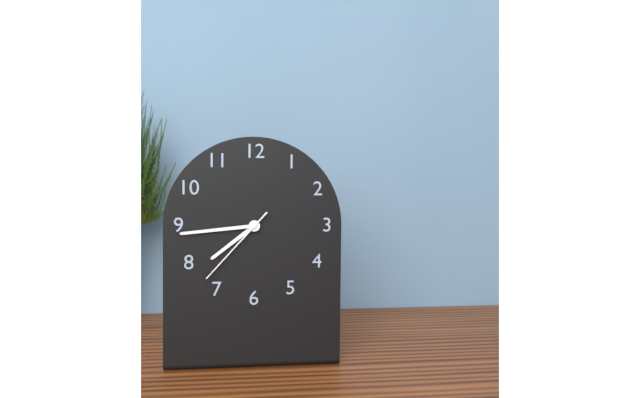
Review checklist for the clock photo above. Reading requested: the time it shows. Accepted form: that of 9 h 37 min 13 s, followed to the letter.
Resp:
7 h 44 min 37 s
